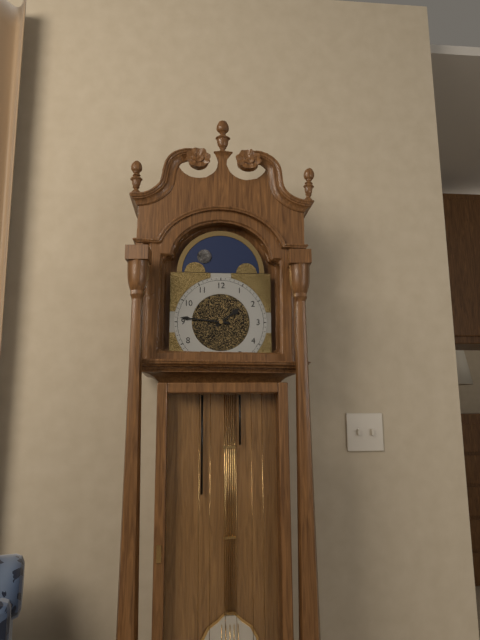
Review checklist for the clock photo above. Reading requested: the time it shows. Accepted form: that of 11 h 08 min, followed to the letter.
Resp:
1 h 46 min
